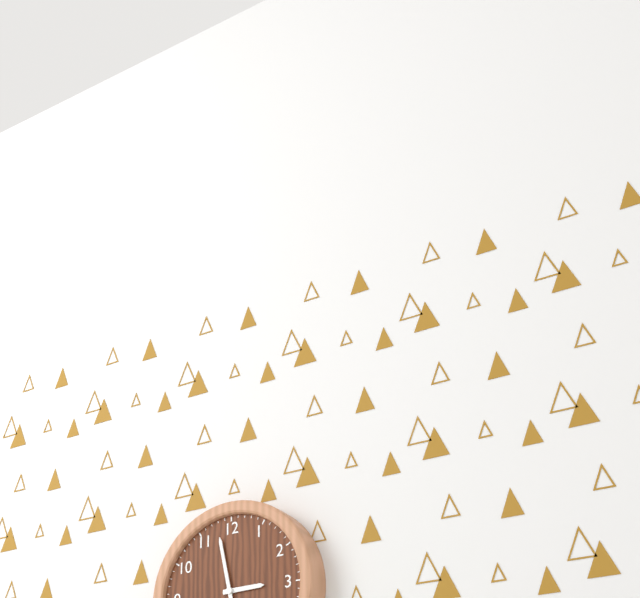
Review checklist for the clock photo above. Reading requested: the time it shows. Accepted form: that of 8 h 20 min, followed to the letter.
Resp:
2 h 58 min
